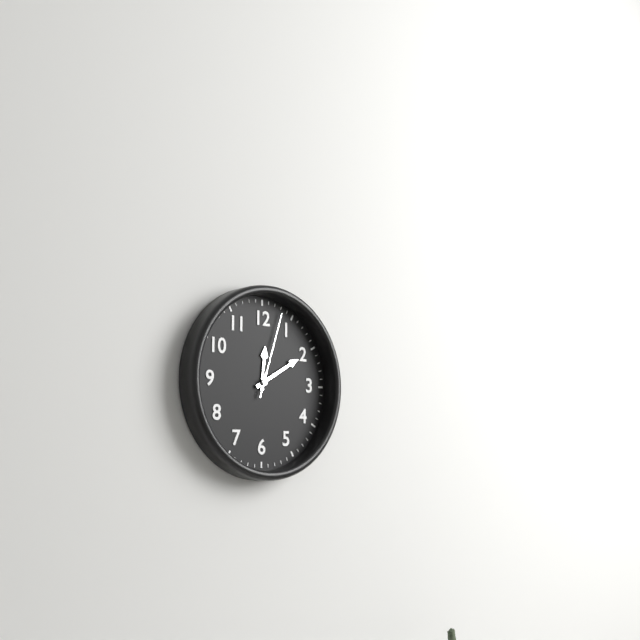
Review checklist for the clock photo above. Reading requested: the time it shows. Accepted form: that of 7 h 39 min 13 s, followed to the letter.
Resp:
12 h 10 min 03 s
